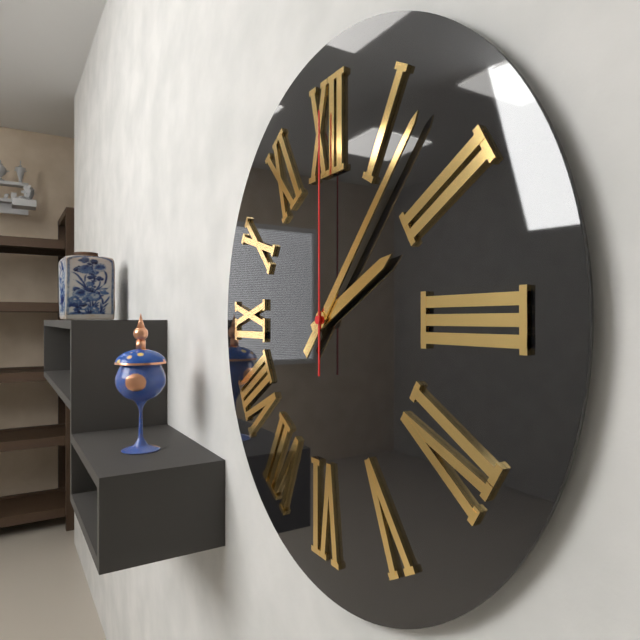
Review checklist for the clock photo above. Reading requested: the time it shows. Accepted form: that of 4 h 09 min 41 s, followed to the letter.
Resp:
2 h 07 min 00 s
